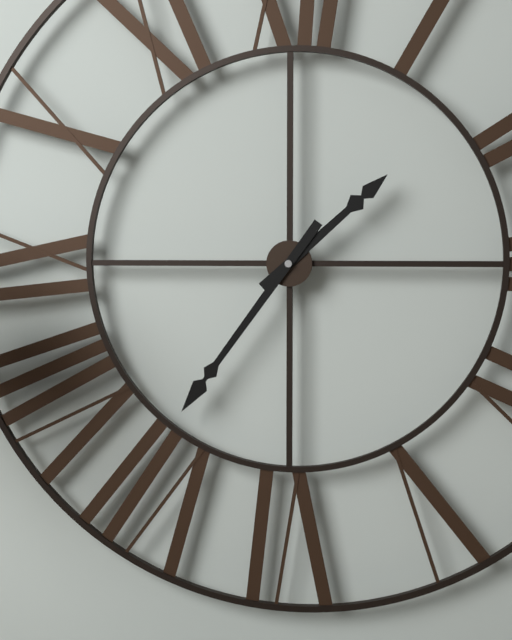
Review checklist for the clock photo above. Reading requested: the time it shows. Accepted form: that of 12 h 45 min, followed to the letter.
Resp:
1 h 36 min
